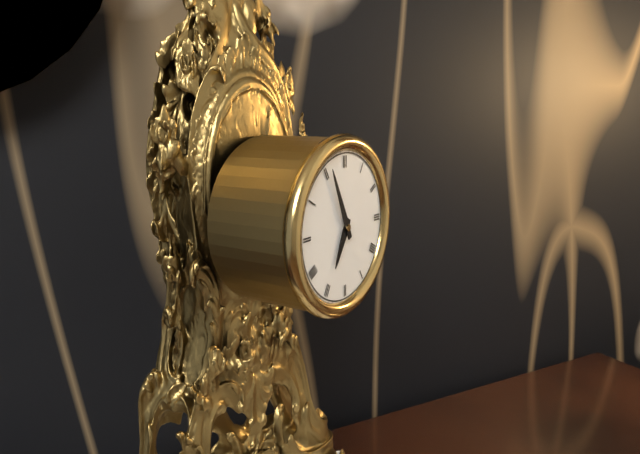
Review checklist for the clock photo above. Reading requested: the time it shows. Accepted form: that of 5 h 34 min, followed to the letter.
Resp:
6 h 56 min
